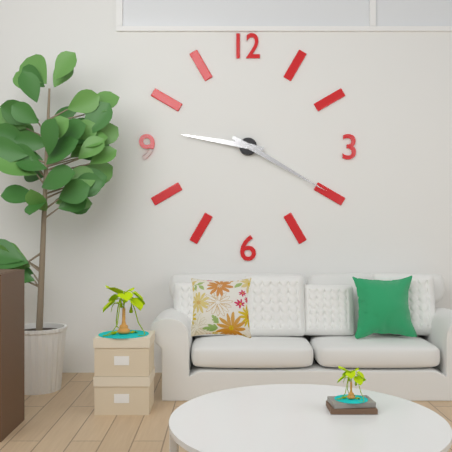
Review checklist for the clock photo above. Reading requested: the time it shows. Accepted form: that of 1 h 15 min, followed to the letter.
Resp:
9 h 20 min
